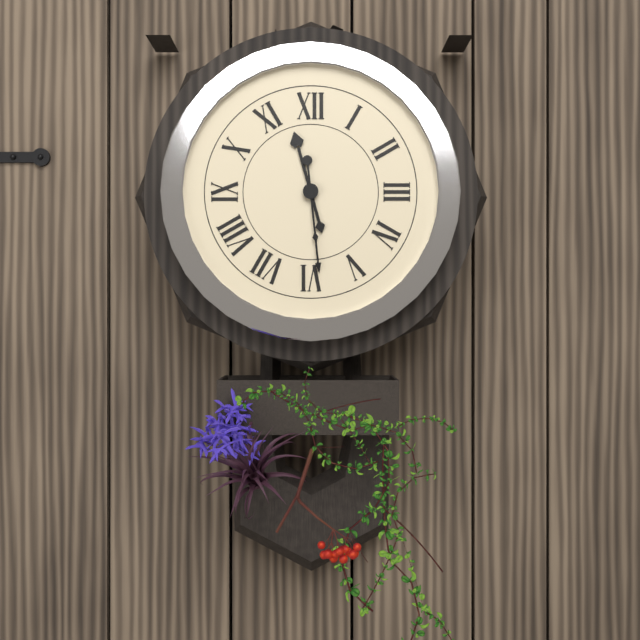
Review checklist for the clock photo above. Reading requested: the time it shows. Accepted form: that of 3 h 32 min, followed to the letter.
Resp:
11 h 29 min
